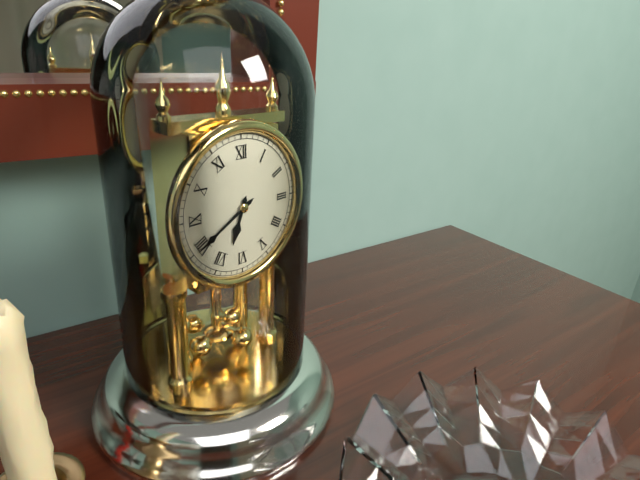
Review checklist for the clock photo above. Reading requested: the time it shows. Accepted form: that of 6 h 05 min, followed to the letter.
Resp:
6 h 40 min
